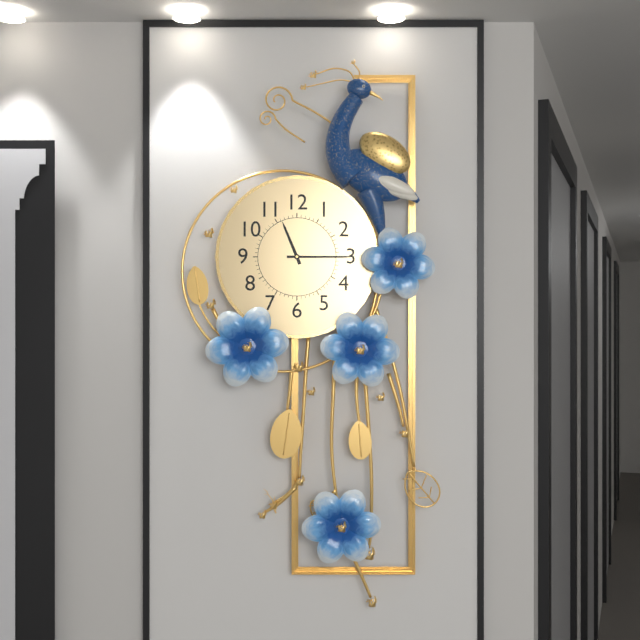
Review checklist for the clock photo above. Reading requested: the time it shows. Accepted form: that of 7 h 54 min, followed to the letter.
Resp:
11 h 15 min
